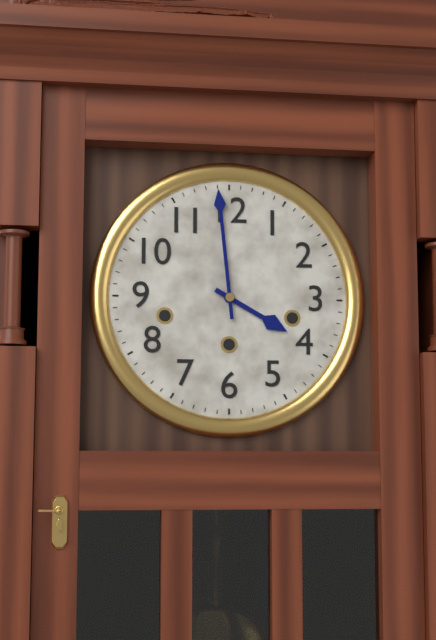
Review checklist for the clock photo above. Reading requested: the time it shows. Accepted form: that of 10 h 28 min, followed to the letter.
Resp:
3 h 59 min
